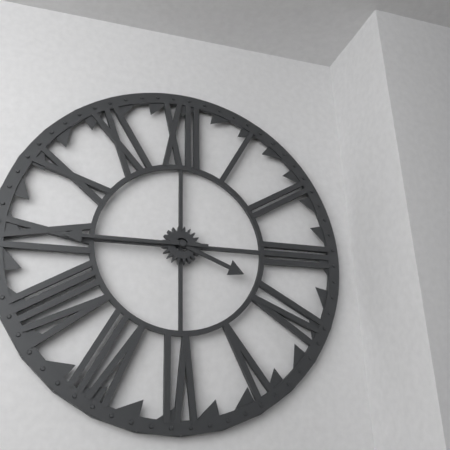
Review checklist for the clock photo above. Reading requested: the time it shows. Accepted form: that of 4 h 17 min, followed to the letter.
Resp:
3 h 45 min
